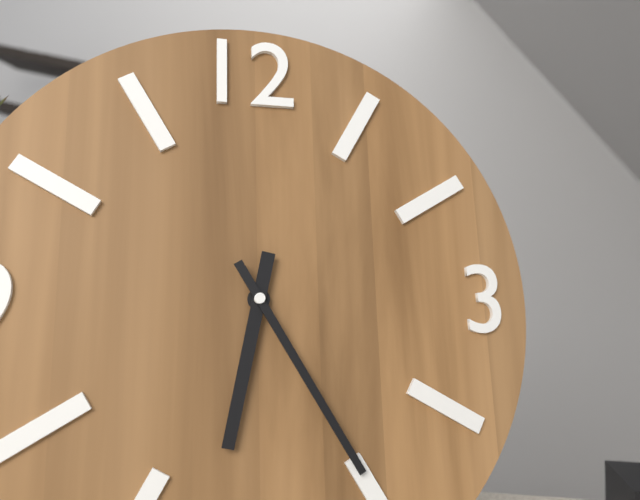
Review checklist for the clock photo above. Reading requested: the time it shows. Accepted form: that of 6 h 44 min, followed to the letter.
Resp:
6 h 25 min
